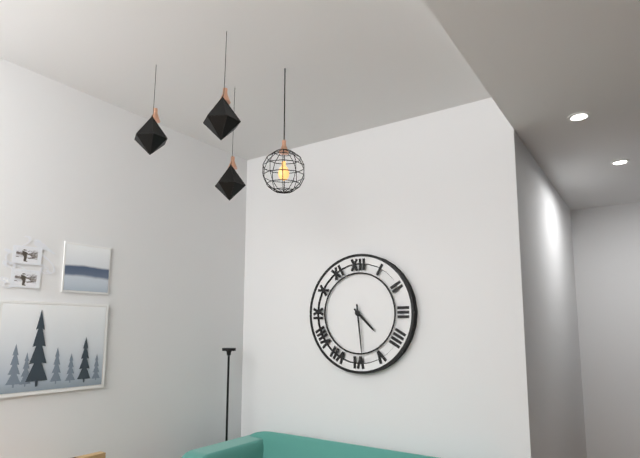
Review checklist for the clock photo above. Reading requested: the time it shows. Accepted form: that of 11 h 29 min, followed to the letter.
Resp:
4 h 29 min
